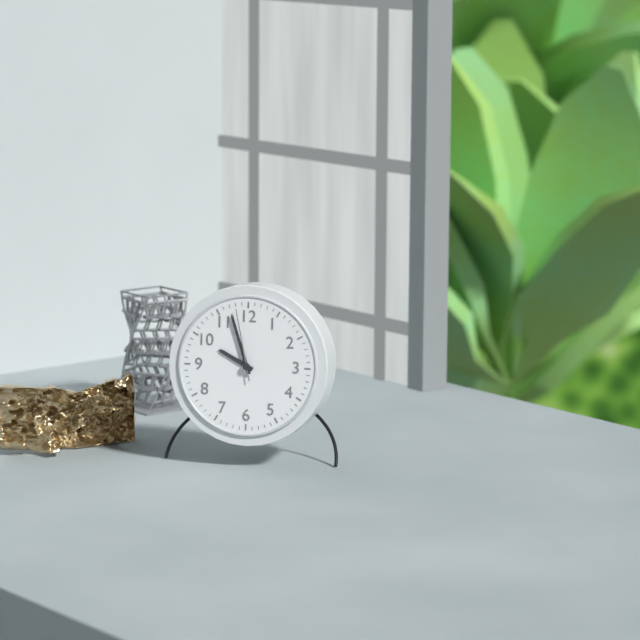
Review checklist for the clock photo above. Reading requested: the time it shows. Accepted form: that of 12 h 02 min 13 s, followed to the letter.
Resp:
9 h 57 min 58 s
